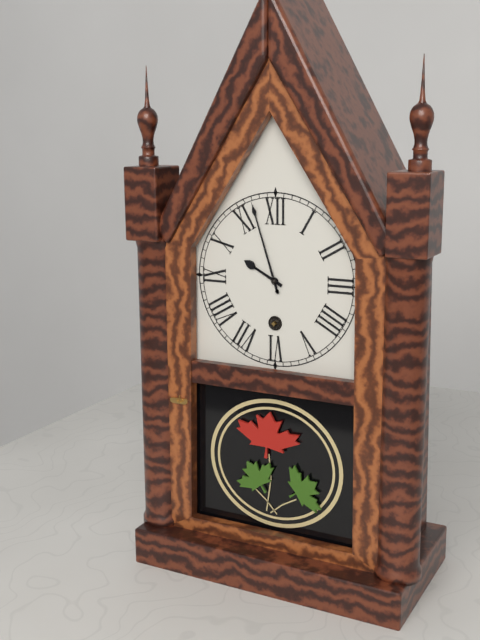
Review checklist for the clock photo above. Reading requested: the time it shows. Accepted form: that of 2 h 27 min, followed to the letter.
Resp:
9 h 57 min
